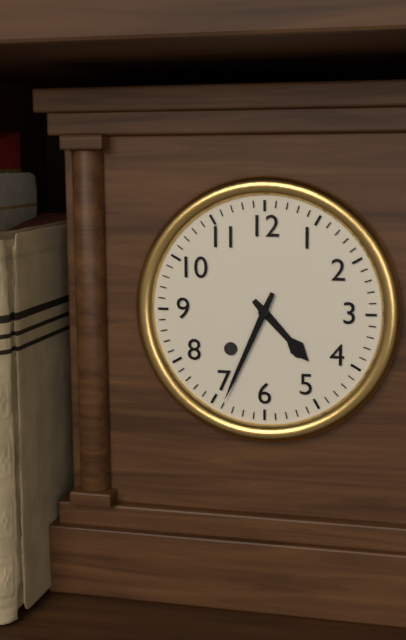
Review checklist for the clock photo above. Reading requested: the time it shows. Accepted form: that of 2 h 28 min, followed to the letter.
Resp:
4 h 34 min
